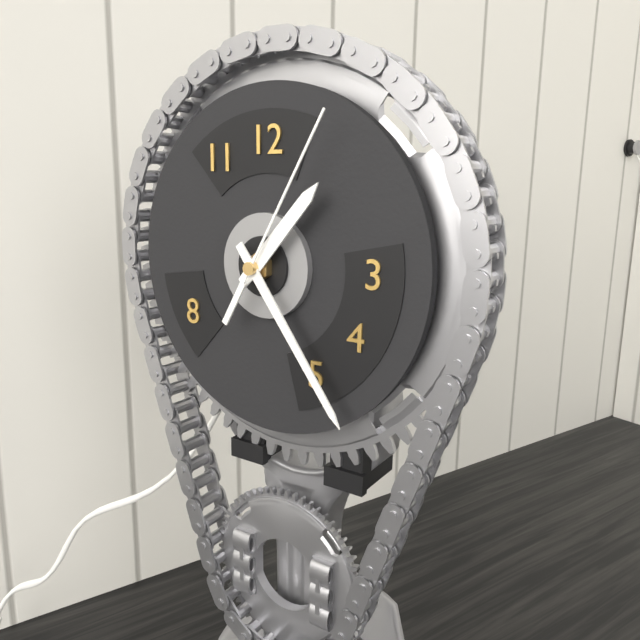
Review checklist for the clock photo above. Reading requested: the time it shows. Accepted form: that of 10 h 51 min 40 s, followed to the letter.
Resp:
1 h 24 min 05 s
